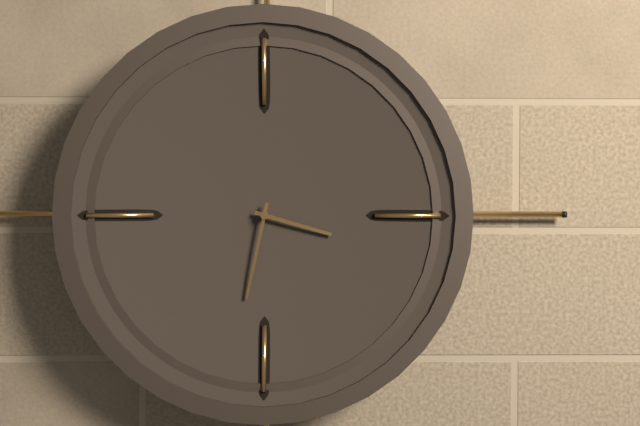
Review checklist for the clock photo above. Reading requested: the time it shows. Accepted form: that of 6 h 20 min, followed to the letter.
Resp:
3 h 32 min
